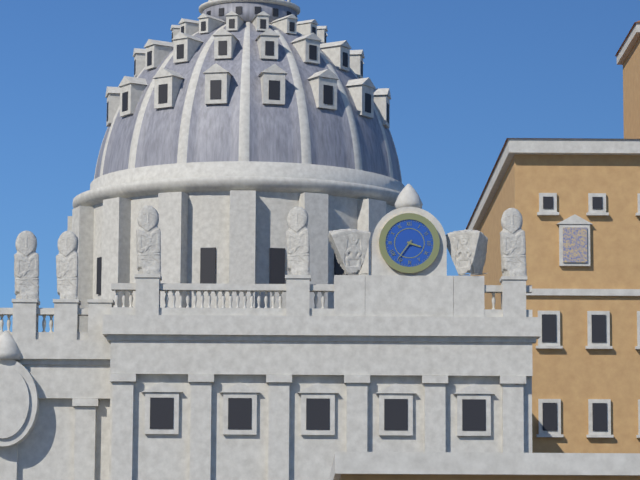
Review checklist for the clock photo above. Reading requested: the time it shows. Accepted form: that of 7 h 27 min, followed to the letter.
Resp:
3 h 36 min
